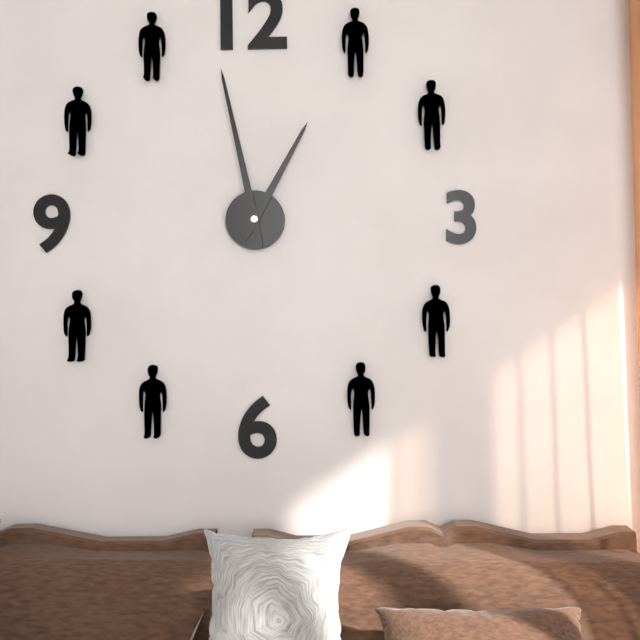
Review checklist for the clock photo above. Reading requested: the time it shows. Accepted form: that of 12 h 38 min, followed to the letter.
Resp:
12 h 58 min
